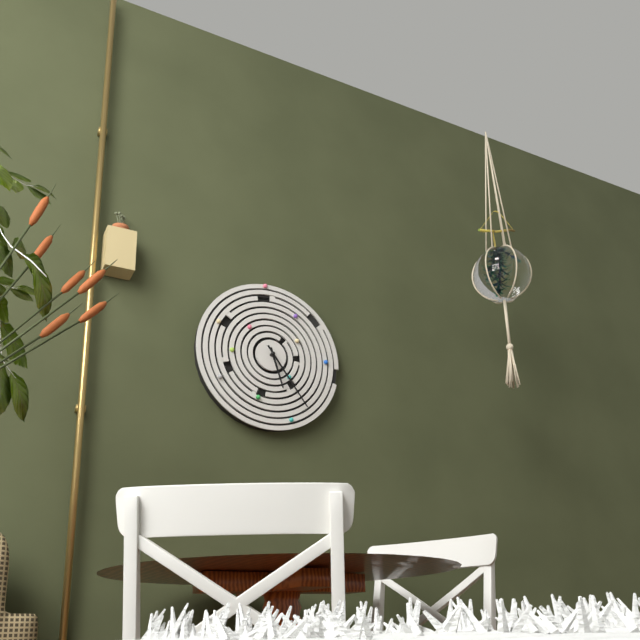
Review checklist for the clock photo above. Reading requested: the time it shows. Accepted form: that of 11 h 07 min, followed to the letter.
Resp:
5 h 24 min
